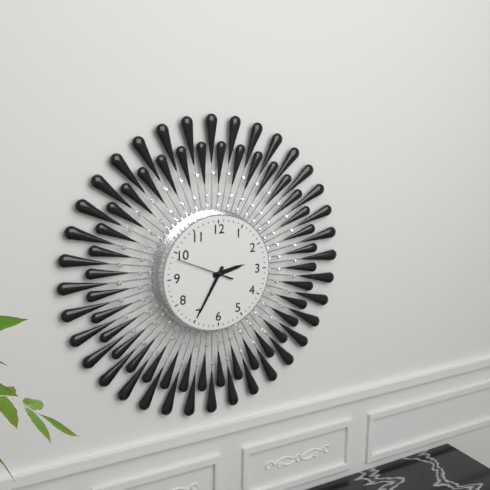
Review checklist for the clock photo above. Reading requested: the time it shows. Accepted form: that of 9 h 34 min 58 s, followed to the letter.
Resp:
2 h 35 min 49 s
